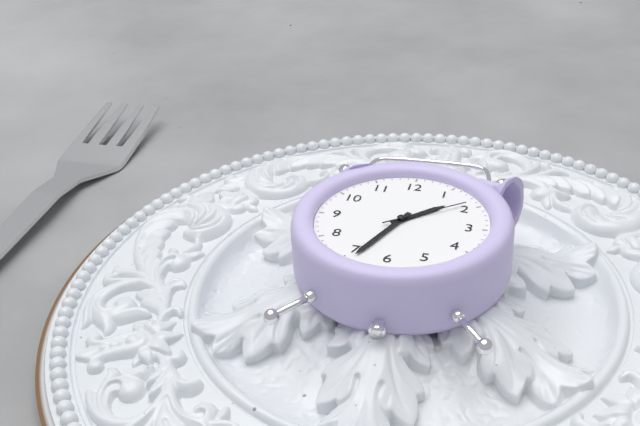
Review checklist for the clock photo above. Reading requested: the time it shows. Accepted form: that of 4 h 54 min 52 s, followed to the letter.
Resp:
1 h 34 min 09 s
